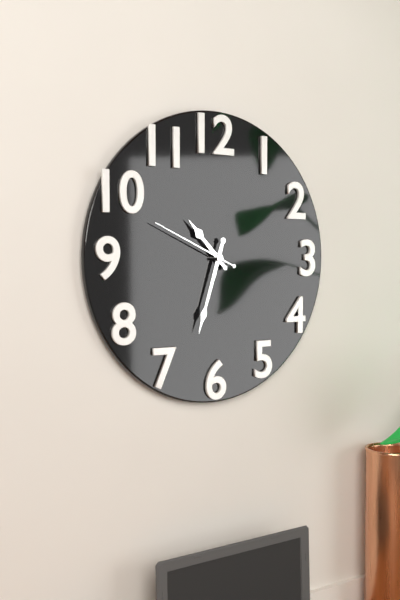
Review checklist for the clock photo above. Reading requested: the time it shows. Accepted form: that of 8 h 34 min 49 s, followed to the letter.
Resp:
10 h 33 min 49 s
